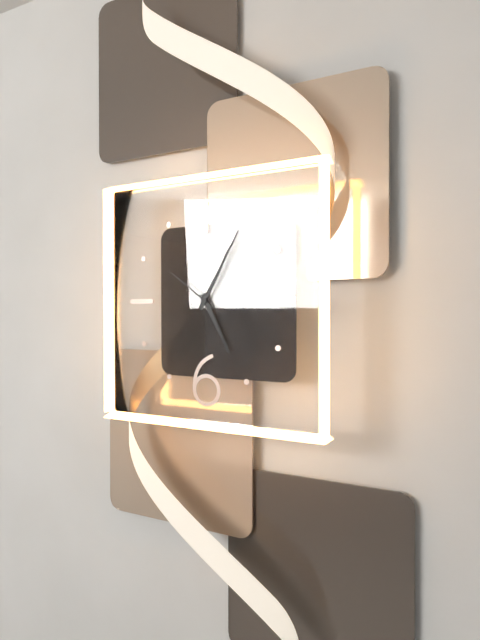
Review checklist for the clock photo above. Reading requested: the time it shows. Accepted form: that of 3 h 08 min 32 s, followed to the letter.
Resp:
5 h 05 min 51 s
